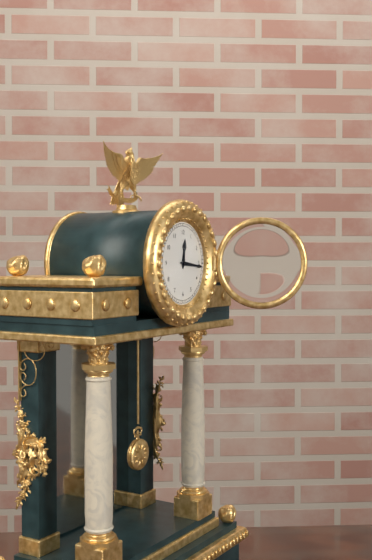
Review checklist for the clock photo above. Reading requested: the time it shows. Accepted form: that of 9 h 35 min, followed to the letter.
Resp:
12 h 16 min
